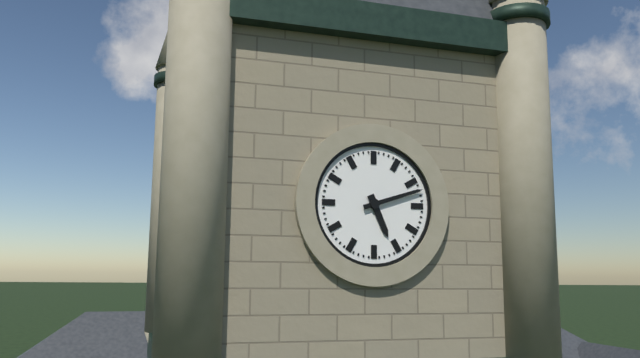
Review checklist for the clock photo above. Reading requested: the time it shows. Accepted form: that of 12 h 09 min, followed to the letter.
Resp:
5 h 12 min
